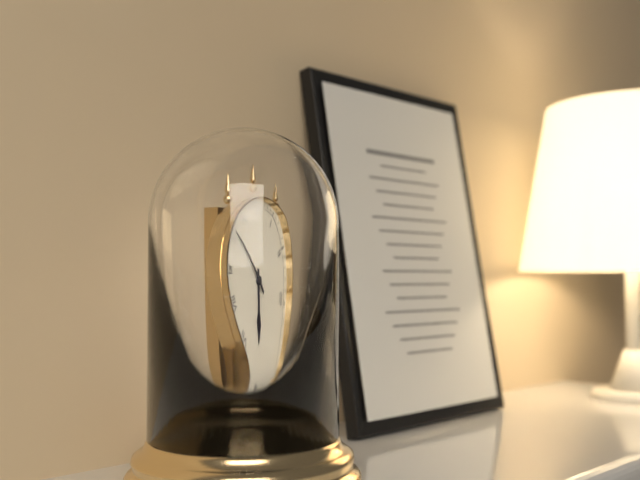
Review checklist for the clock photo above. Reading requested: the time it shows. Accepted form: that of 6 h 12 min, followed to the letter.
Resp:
5 h 51 min
